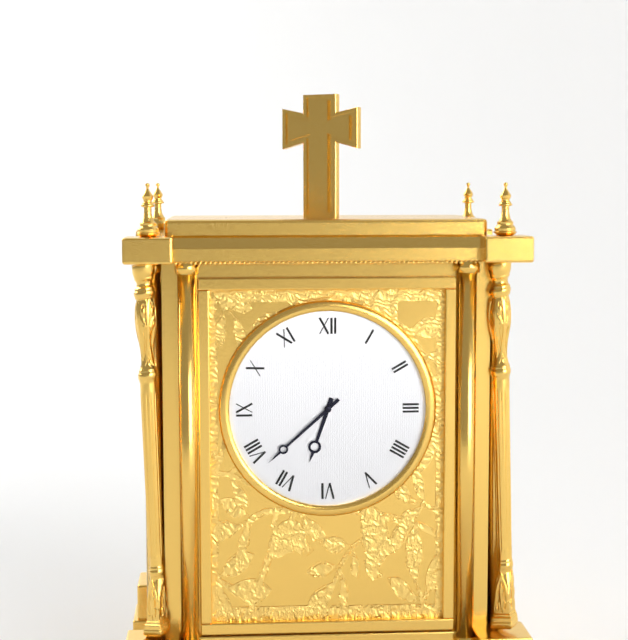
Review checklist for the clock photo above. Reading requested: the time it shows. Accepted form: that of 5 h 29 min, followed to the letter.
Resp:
6 h 38 min
